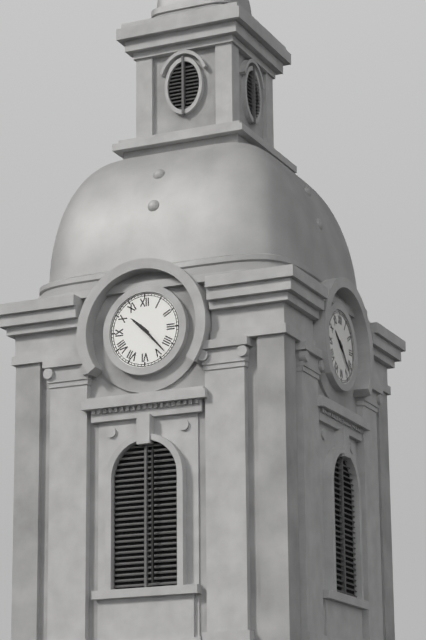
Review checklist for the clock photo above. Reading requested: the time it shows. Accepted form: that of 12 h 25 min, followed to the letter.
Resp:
10 h 23 min
